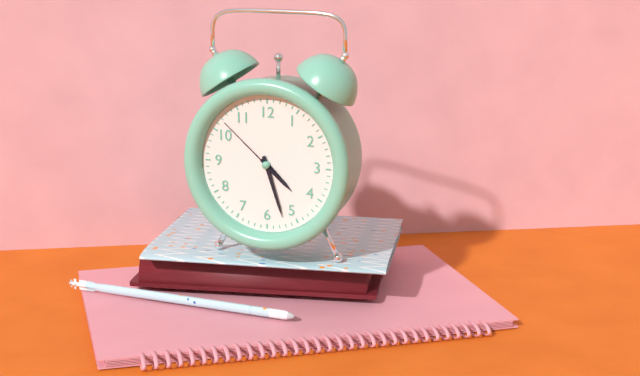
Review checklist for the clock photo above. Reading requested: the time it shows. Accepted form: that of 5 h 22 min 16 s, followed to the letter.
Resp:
4 h 27 min 52 s
